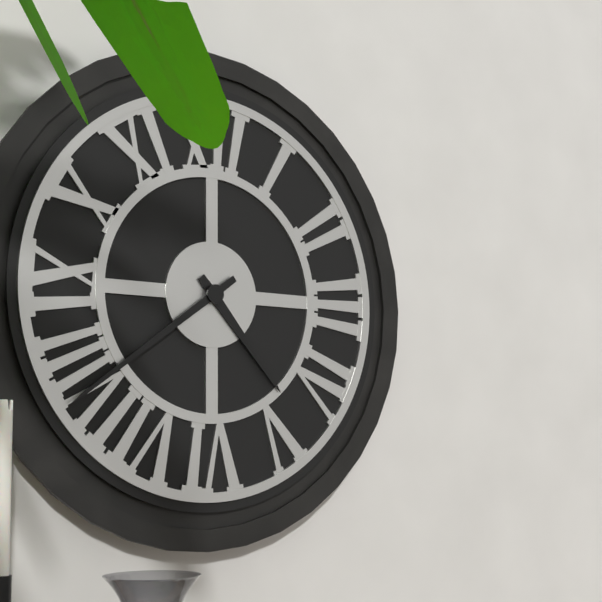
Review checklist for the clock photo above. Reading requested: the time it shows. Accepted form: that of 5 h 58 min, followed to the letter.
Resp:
4 h 39 min
